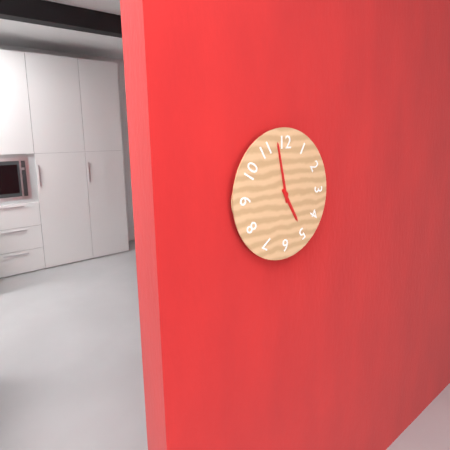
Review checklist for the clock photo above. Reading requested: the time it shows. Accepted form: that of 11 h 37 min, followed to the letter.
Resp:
4 h 58 min
